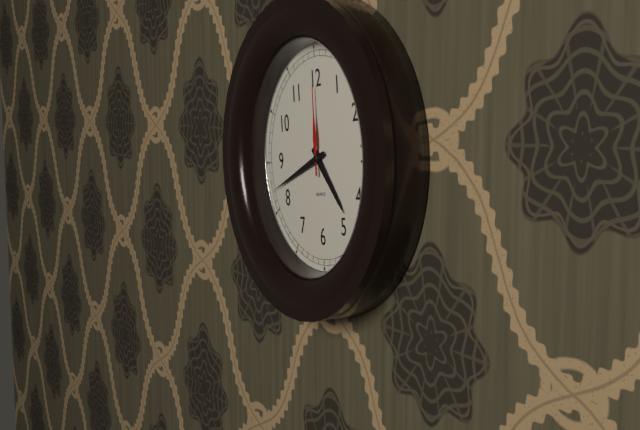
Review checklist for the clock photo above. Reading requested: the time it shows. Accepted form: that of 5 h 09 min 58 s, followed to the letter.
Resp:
4 h 42 min 00 s
